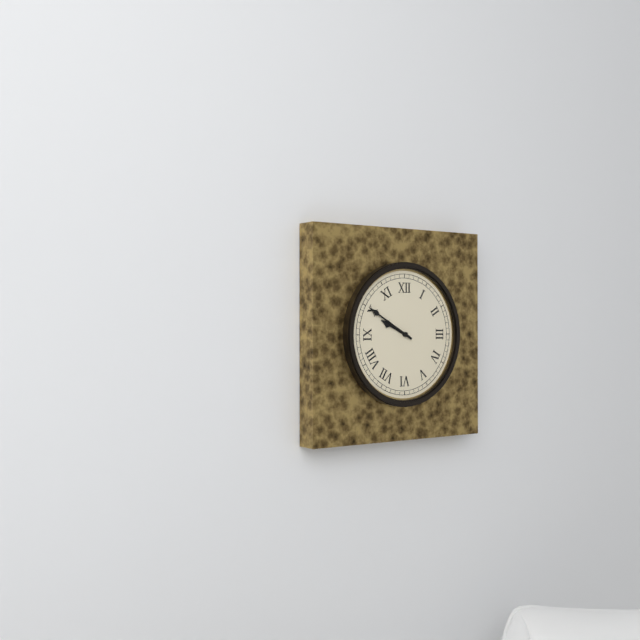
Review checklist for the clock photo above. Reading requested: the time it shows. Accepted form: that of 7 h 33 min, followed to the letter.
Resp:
9 h 50 min
